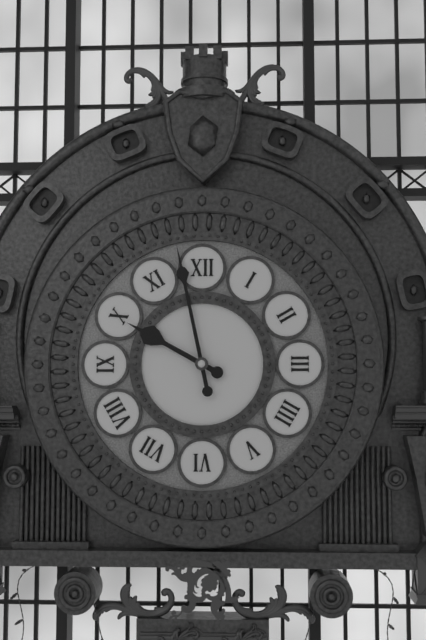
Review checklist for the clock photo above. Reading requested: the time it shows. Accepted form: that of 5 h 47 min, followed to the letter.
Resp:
9 h 58 min
